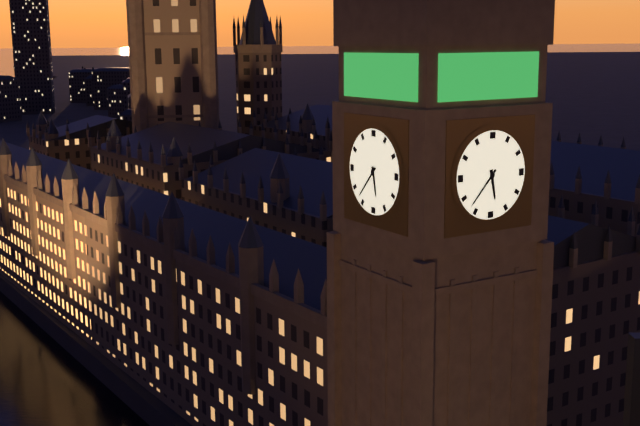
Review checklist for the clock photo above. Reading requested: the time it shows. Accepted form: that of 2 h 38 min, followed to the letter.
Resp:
5 h 37 min
